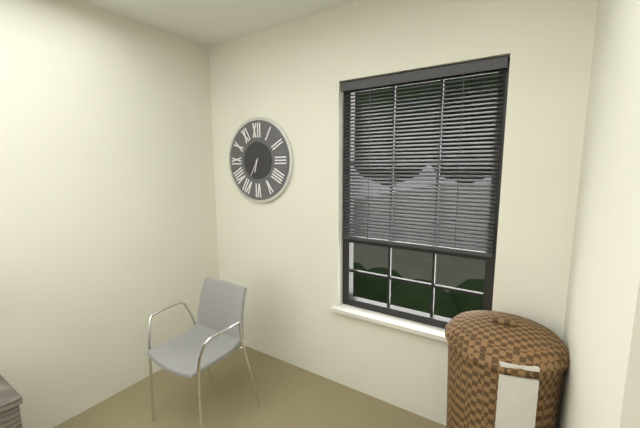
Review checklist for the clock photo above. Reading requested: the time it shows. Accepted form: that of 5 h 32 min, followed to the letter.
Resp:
6 h 35 min
